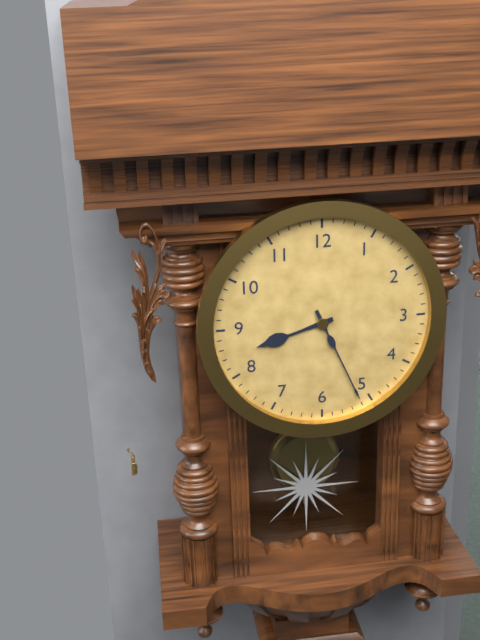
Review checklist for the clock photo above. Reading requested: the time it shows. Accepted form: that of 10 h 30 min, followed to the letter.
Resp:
8 h 26 min
